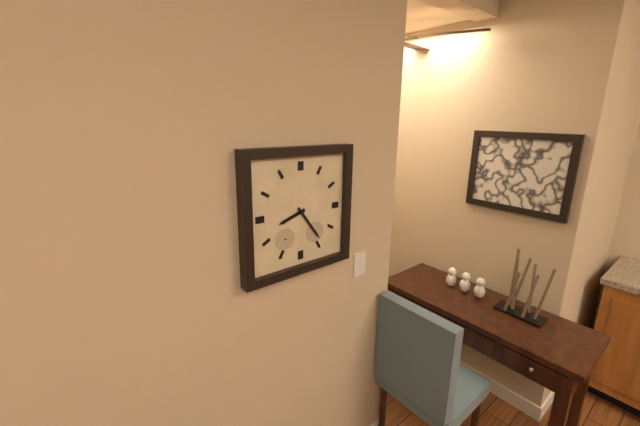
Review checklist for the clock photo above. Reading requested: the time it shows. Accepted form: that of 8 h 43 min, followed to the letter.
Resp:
8 h 24 min
